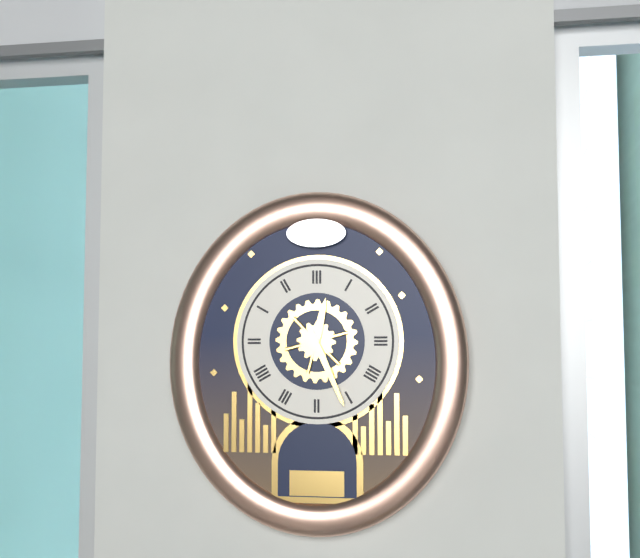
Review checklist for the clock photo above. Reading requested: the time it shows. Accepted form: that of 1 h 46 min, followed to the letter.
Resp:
12 h 26 min
